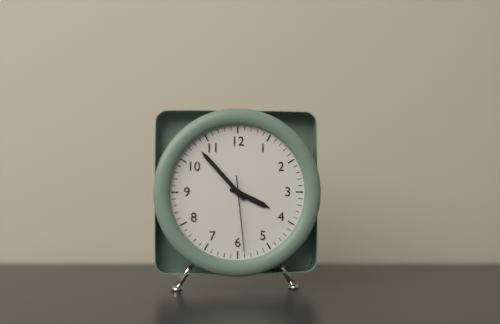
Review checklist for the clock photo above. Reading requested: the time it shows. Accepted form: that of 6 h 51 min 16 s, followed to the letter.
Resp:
3 h 53 min 29 s
